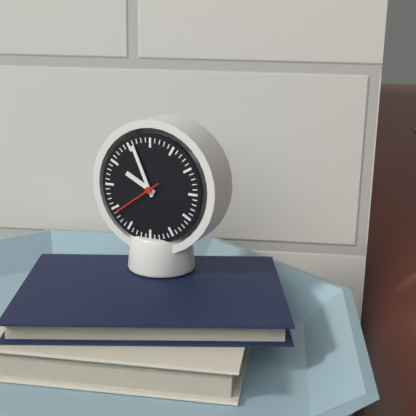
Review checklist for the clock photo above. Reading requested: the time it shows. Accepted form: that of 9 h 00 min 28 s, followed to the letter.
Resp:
9 h 56 min 39 s
